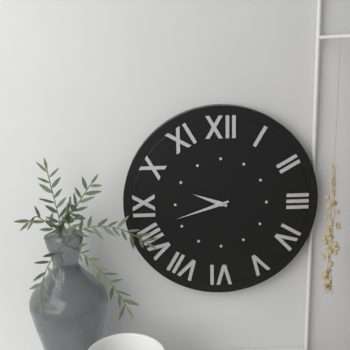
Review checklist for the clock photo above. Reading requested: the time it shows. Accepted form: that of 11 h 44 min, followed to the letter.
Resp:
9 h 42 min
